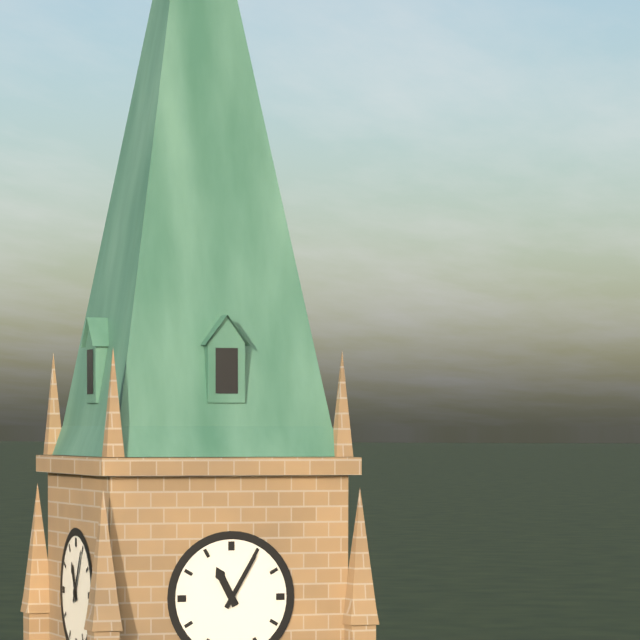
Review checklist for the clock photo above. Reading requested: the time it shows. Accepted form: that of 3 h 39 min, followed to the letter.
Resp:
11 h 05 min
